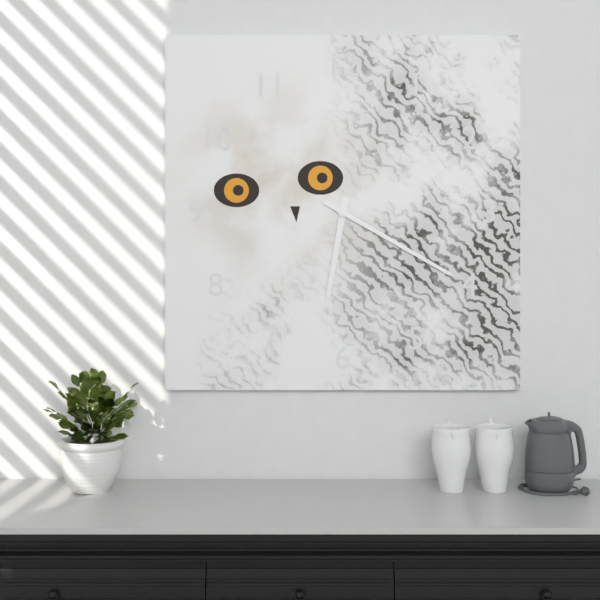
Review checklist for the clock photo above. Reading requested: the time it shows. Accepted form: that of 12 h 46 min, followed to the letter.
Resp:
6 h 20 min
